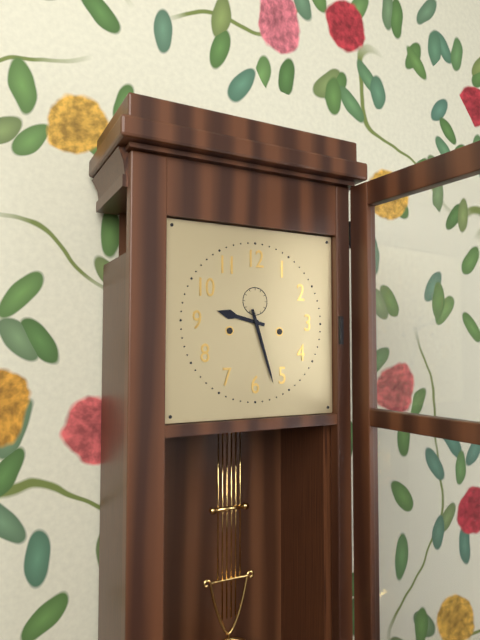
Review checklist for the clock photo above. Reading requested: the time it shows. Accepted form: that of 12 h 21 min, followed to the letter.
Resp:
9 h 27 min
